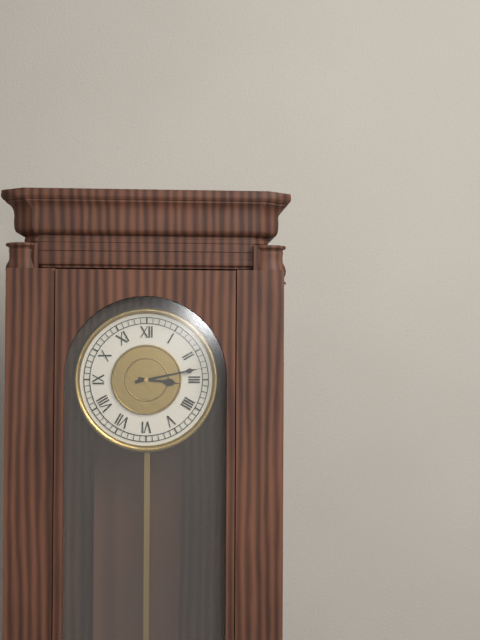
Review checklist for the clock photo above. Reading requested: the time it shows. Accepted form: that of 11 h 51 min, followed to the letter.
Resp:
3 h 13 min
